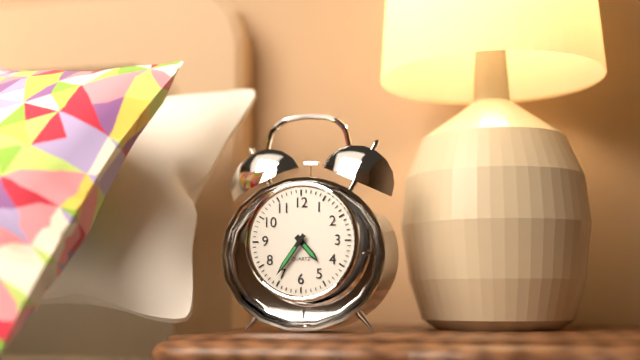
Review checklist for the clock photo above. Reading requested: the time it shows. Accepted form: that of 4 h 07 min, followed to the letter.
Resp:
4 h 36 min
